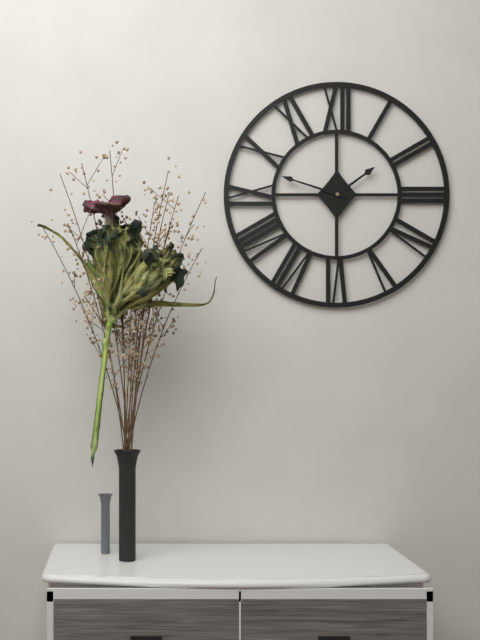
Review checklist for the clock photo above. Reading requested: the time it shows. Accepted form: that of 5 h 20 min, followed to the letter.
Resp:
1 h 48 min
